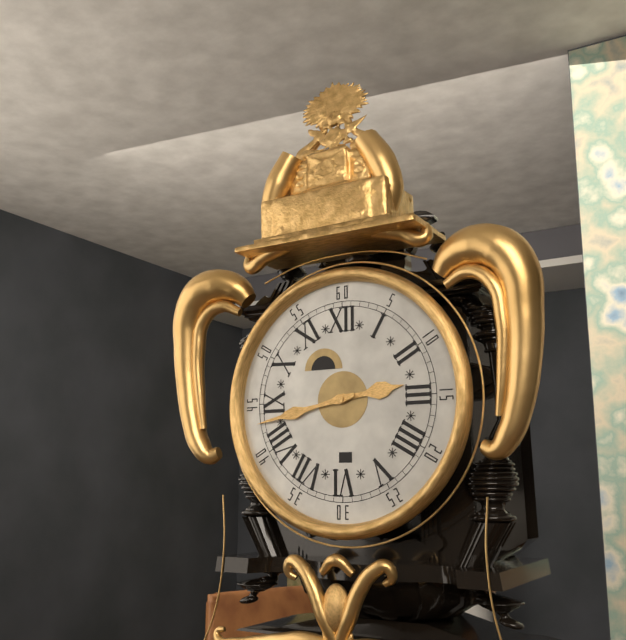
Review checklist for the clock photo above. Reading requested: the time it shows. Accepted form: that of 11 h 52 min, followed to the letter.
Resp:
2 h 43 min
